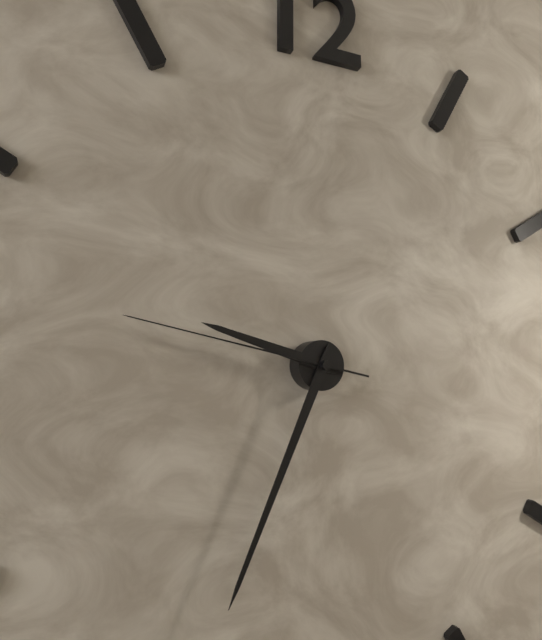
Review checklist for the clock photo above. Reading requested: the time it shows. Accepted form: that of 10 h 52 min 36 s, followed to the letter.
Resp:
9 h 34 min 47 s
